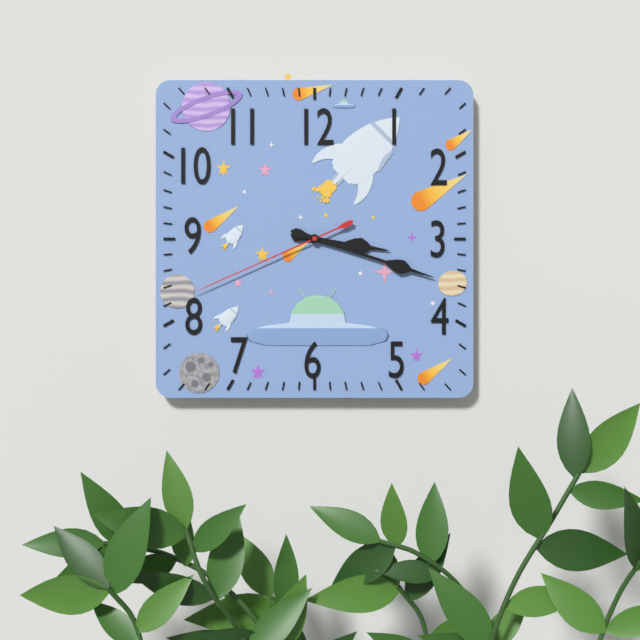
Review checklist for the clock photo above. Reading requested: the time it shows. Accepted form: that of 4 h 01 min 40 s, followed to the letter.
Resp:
3 h 18 min 41 s
